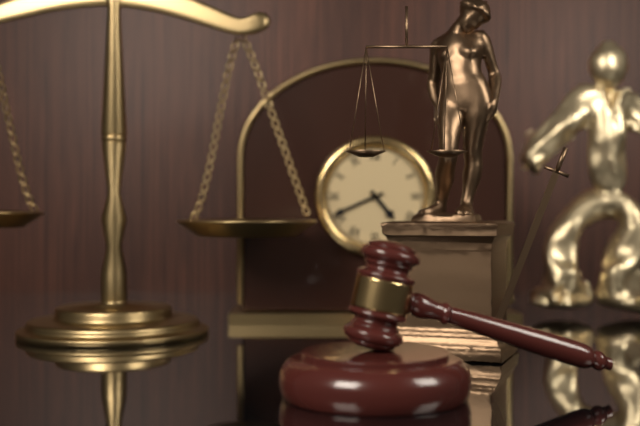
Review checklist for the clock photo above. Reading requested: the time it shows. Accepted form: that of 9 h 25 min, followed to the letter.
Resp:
4 h 41 min
